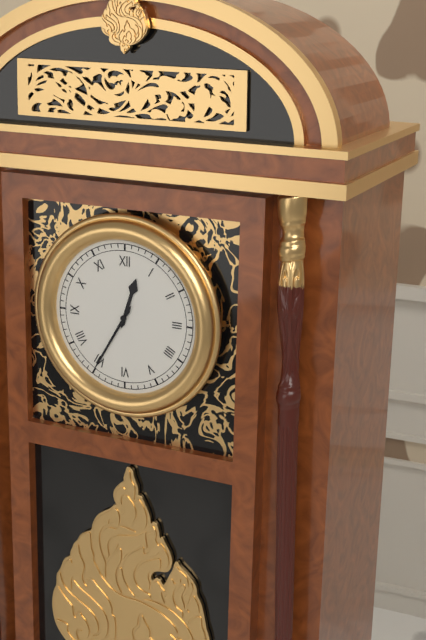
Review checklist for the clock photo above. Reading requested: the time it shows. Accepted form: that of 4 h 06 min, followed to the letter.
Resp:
12 h 35 min
